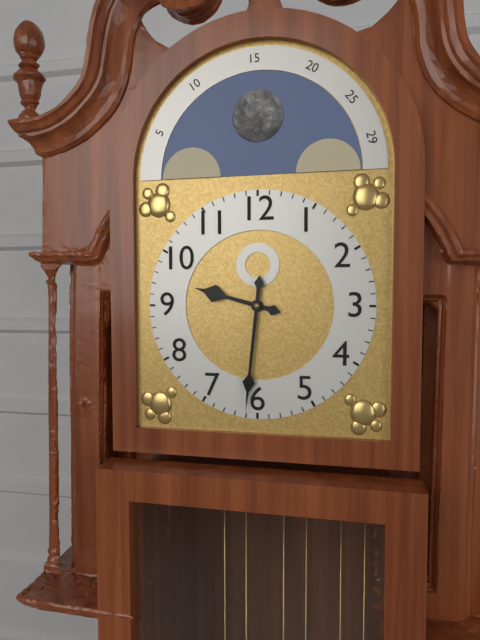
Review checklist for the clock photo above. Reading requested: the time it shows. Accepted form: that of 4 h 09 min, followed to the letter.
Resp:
9 h 31 min
